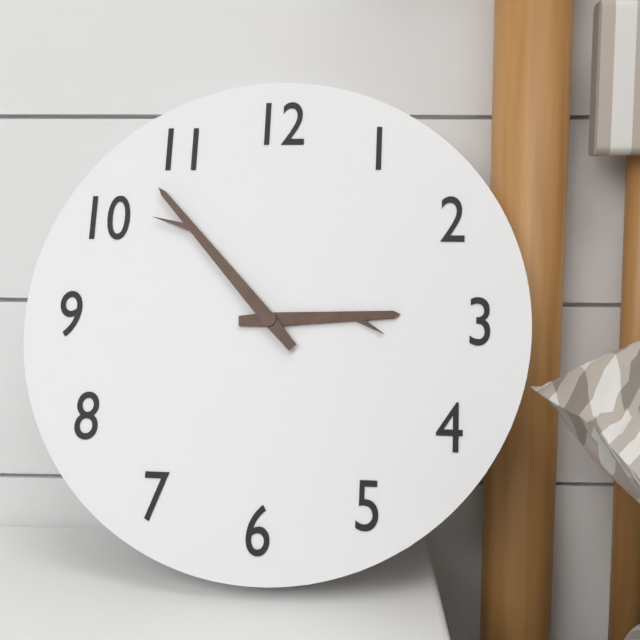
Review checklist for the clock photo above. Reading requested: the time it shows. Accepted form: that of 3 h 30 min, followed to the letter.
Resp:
2 h 53 min
